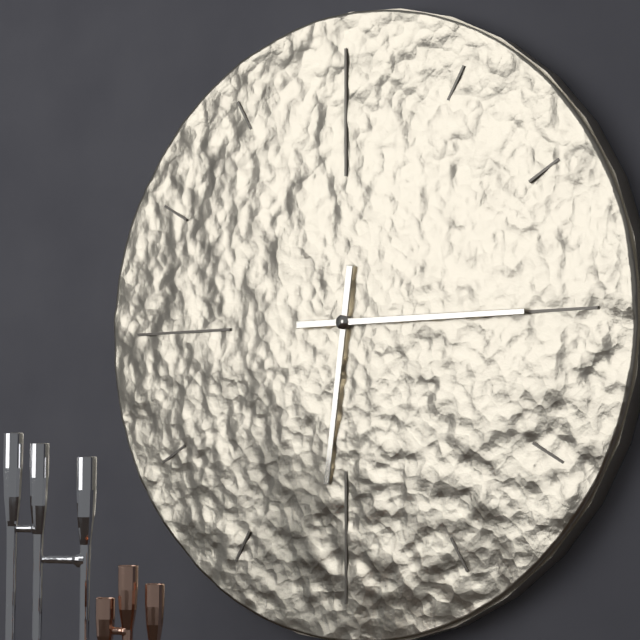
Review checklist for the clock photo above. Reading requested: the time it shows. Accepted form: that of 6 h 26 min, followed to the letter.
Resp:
6 h 15 min
